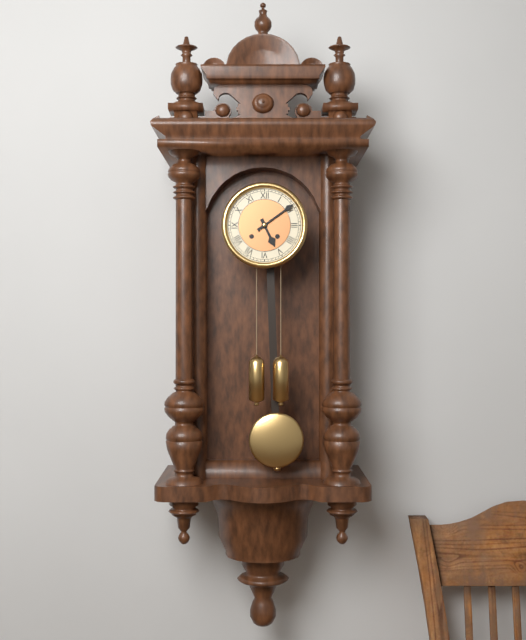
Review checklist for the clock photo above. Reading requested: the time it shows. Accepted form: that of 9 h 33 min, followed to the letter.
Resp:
5 h 09 min
